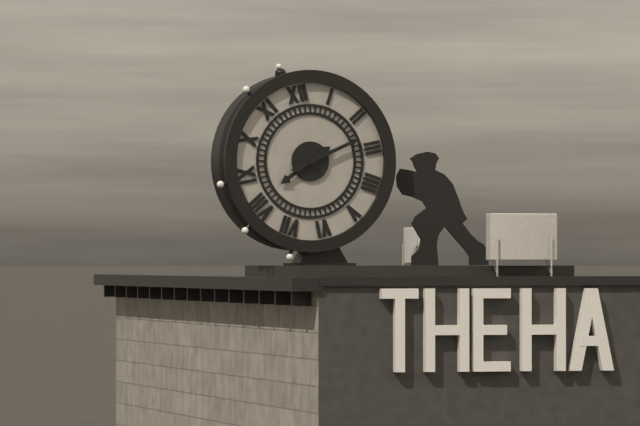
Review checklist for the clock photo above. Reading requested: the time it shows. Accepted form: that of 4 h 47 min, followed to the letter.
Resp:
8 h 13 min
